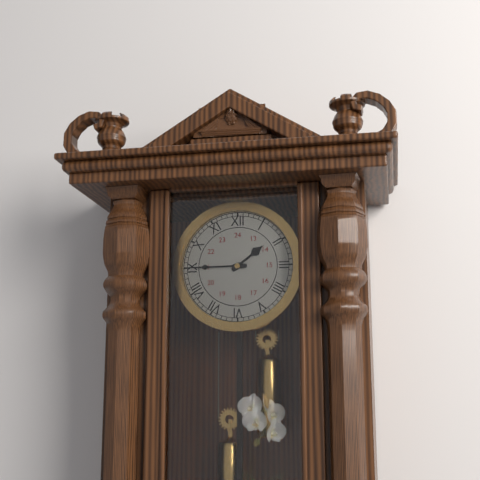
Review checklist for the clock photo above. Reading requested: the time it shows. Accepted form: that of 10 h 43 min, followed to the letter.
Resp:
1 h 45 min
